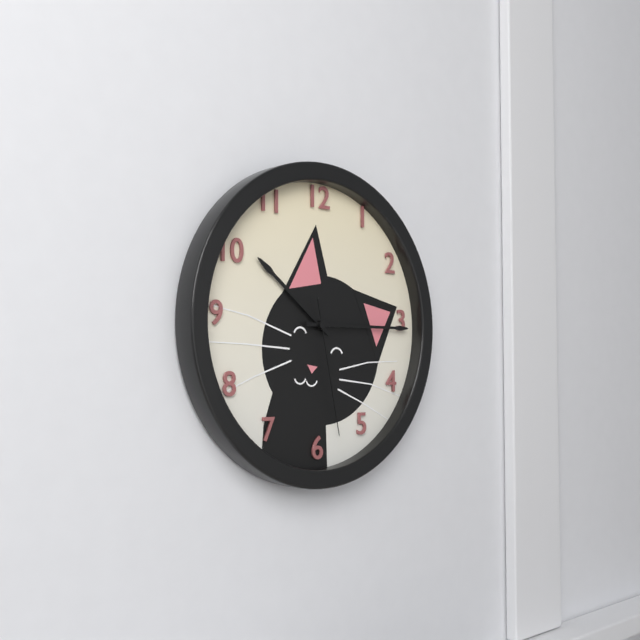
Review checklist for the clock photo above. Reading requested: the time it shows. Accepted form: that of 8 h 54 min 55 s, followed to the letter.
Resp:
10 h 15 min 28 s
